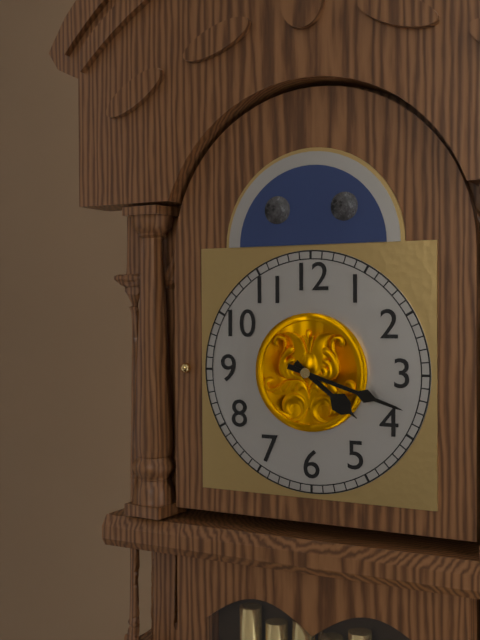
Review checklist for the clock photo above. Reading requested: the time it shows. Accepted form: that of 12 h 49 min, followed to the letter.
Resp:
4 h 18 min
